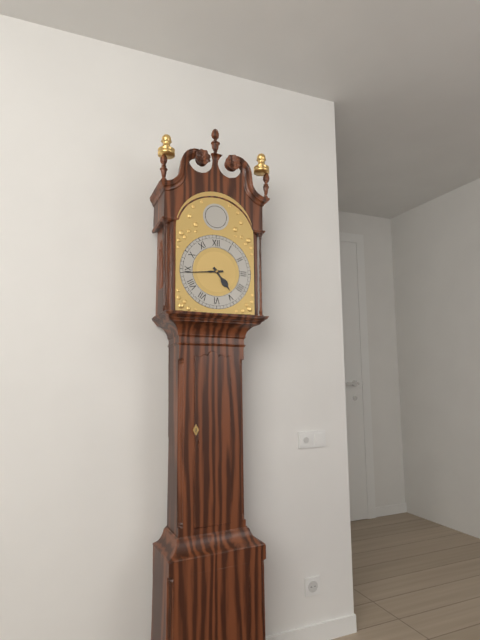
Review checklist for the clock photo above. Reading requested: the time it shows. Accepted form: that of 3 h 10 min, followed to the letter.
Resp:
4 h 44 min
